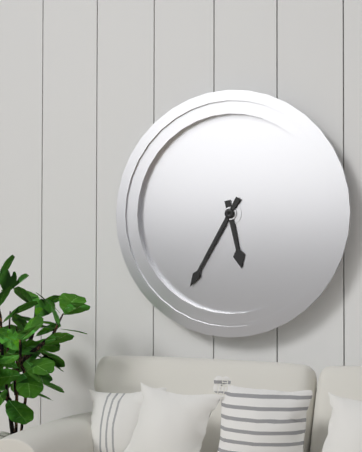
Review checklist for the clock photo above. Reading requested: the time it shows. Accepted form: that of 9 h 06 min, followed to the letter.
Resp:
5 h 35 min
